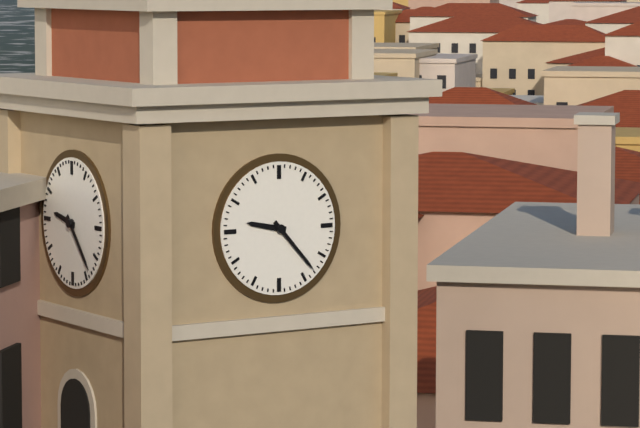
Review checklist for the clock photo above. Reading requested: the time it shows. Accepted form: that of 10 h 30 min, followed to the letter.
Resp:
9 h 23 min
